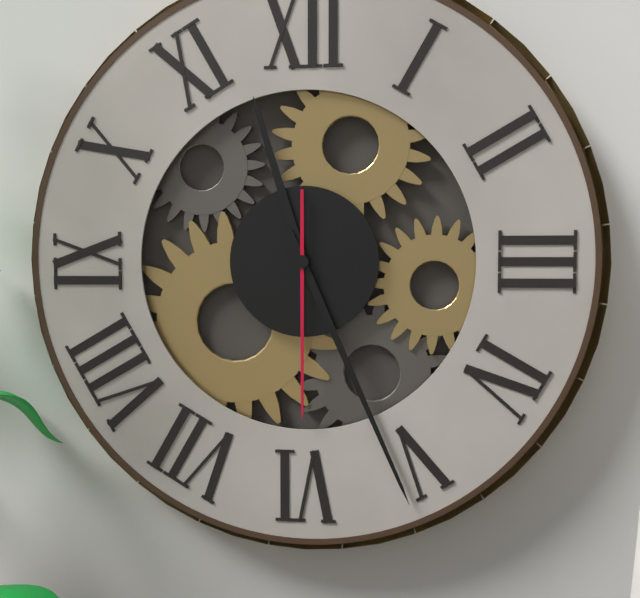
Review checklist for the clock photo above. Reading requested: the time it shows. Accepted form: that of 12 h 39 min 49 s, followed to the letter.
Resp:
11 h 26 min 30 s
